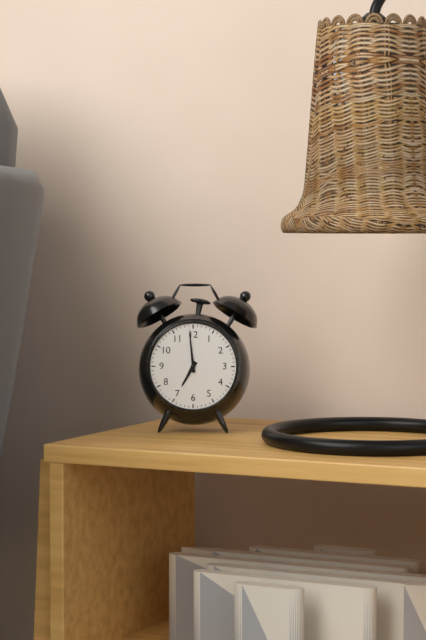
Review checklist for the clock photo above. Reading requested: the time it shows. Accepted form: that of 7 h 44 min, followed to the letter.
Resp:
6 h 59 min
